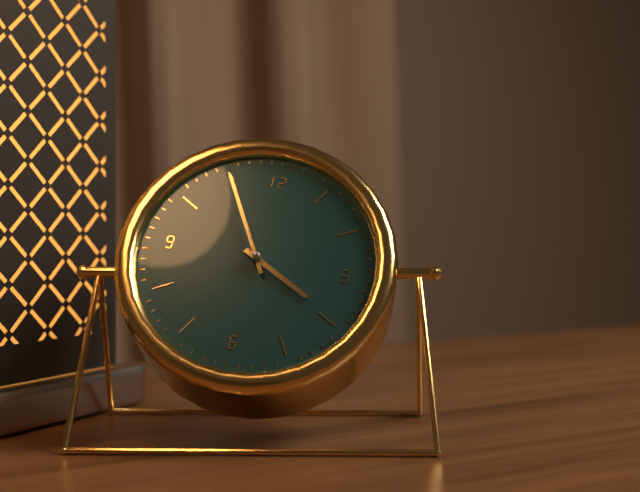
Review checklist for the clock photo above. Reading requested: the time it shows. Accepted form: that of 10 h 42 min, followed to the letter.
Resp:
3 h 55 min
